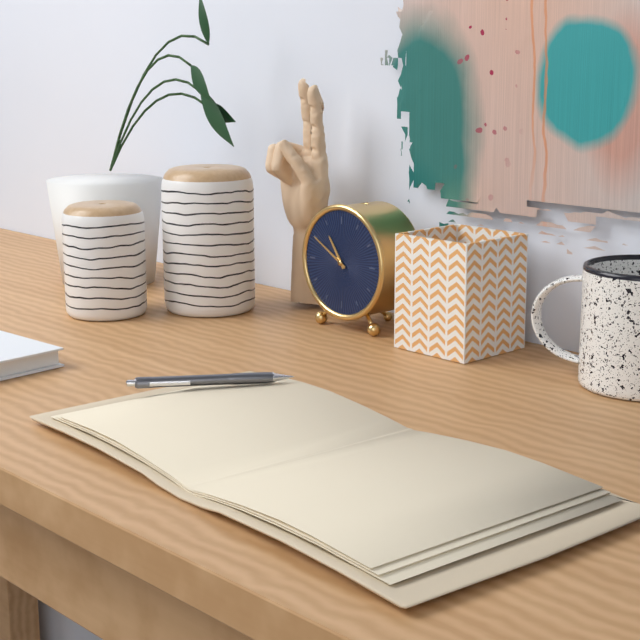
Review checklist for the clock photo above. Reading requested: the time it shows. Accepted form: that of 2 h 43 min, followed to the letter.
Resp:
10 h 50 min
